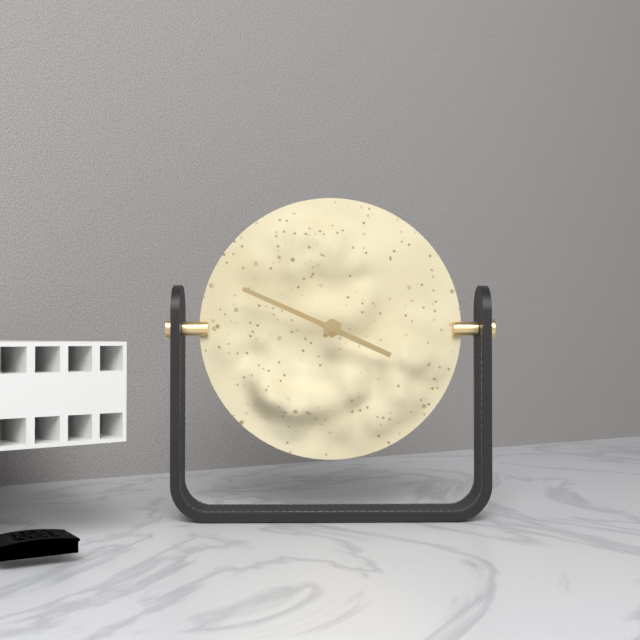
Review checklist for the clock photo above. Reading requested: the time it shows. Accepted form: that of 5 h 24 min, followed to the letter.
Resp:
3 h 49 min
